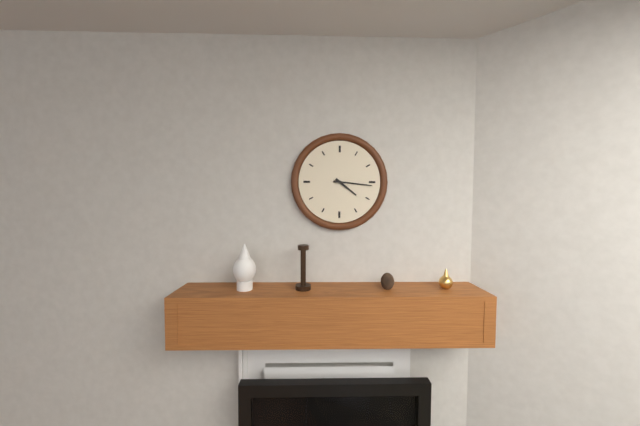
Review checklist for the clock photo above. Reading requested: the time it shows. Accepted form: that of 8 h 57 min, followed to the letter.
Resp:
4 h 16 min
